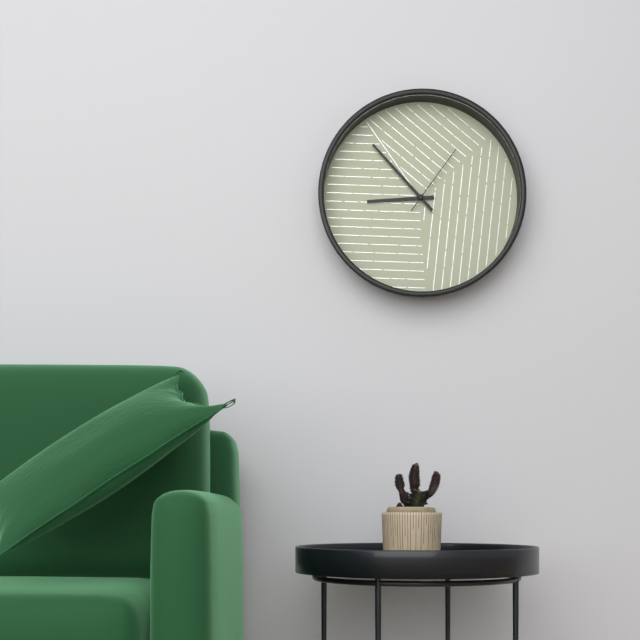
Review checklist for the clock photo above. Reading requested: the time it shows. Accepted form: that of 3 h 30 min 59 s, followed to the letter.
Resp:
8 h 53 min 06 s
